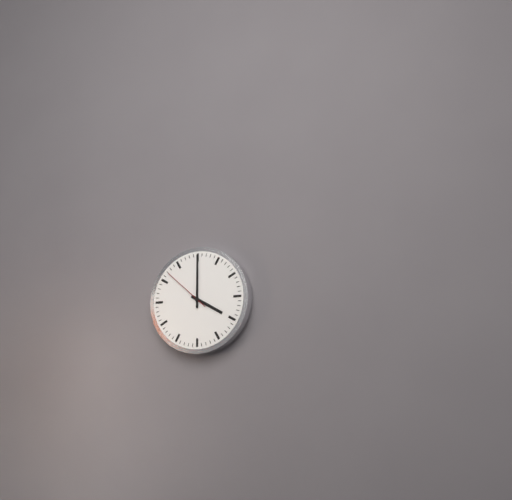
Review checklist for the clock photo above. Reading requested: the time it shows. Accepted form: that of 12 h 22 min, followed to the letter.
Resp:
4 h 00 min
